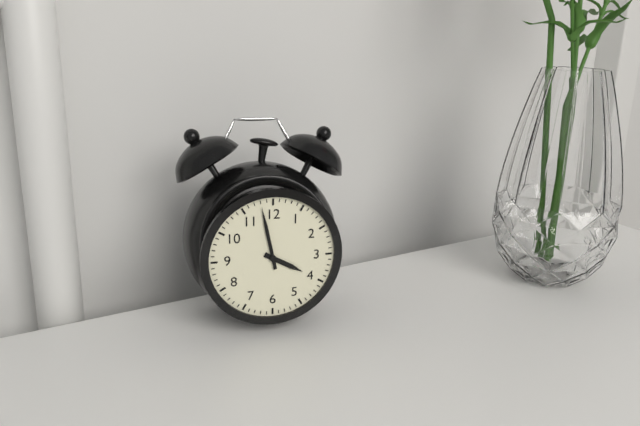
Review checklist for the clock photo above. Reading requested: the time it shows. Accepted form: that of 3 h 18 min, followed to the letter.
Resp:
3 h 58 min
